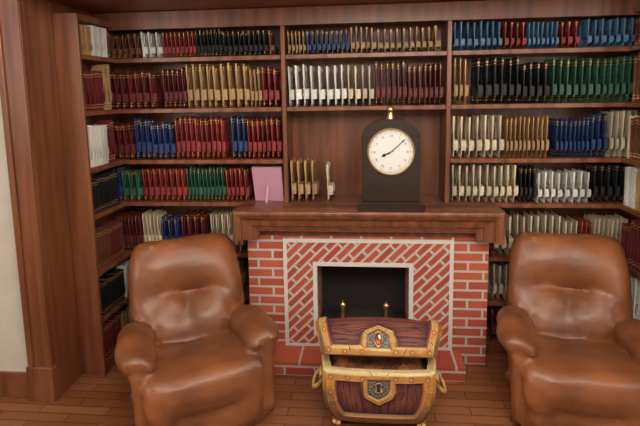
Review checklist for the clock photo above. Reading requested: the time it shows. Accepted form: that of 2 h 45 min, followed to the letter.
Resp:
8 h 08 min
